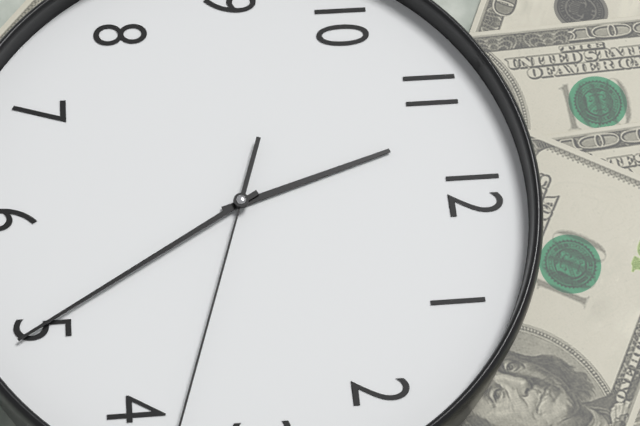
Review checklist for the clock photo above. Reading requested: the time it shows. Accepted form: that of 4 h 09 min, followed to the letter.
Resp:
11 h 25 min
